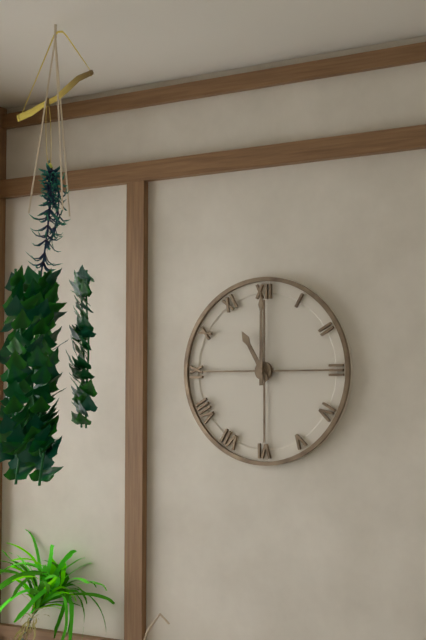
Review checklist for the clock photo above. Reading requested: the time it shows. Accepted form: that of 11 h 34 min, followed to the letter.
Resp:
11 h 00 min
